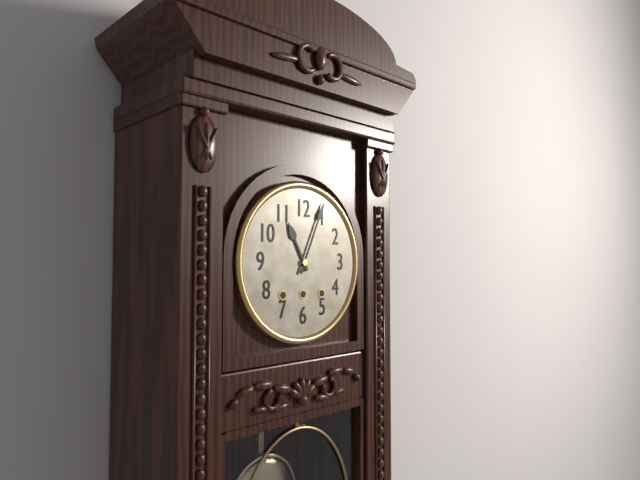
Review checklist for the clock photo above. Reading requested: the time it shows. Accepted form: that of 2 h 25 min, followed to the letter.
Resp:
11 h 04 min
